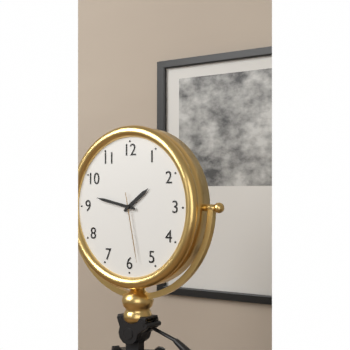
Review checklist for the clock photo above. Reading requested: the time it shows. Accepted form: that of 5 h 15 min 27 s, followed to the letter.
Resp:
1 h 47 min 28 s
